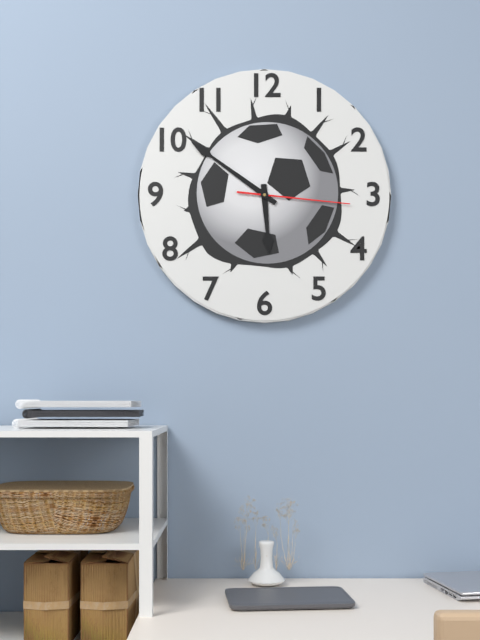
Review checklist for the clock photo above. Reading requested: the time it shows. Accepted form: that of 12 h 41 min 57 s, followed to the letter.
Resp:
5 h 51 min 16 s
